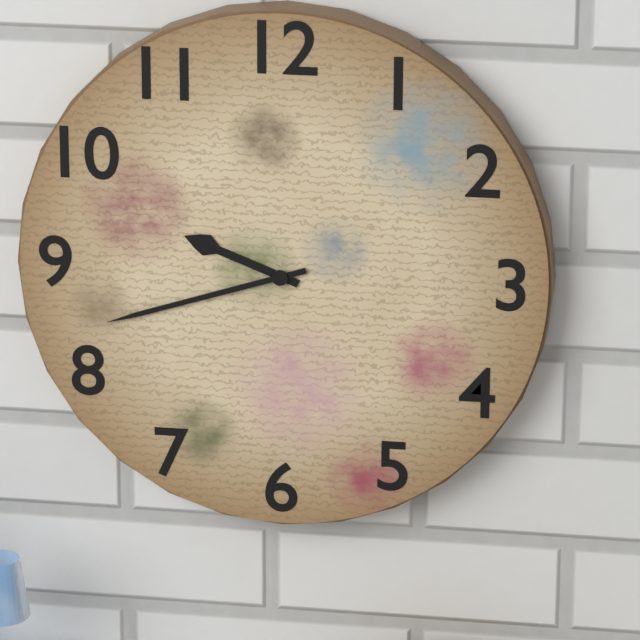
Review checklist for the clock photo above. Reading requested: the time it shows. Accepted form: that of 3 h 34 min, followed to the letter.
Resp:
9 h 42 min
